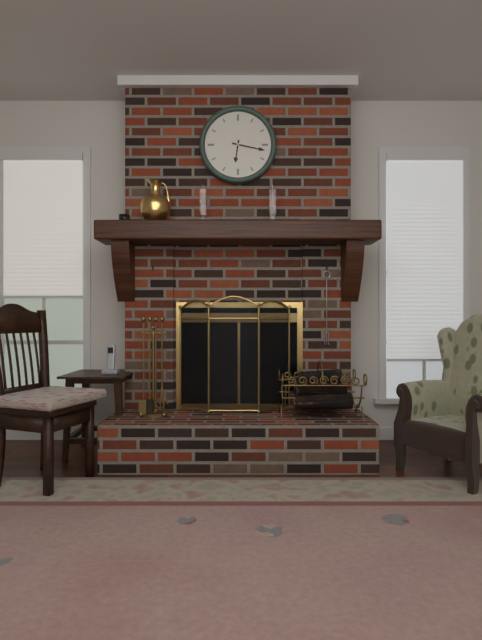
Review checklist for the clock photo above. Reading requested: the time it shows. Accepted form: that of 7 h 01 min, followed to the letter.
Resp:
6 h 17 min
